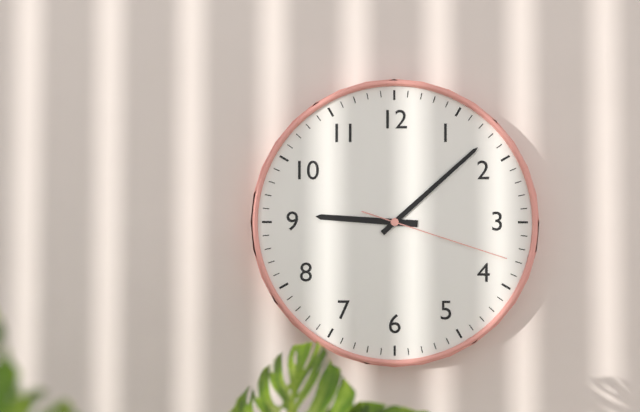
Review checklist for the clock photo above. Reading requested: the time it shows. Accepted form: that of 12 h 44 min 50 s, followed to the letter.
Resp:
9 h 08 min 18 s
